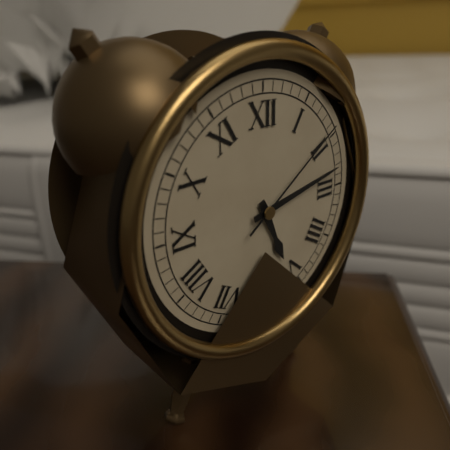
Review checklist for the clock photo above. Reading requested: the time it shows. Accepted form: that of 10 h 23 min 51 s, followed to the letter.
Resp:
5 h 13 min 09 s
